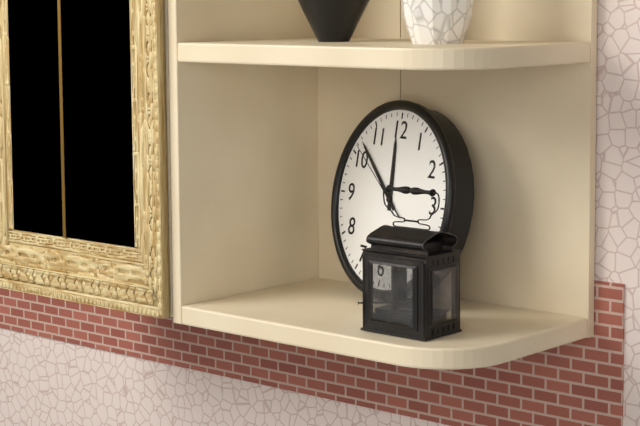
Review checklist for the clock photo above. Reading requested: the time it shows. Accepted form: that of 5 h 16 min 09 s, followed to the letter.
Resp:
11 h 52 min 51 s
